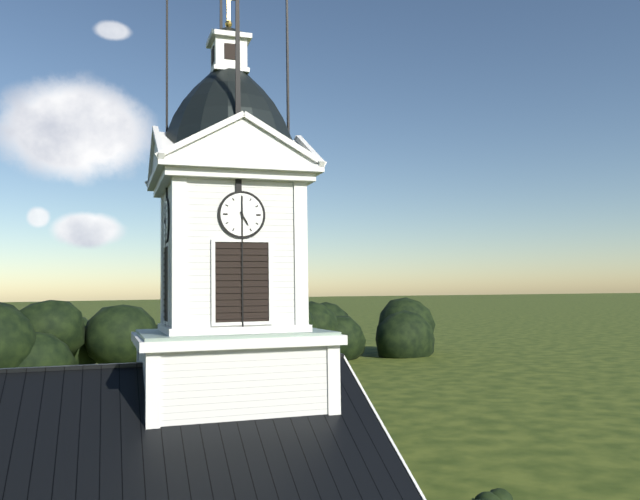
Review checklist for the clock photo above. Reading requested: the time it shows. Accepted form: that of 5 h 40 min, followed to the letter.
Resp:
5 h 00 min
